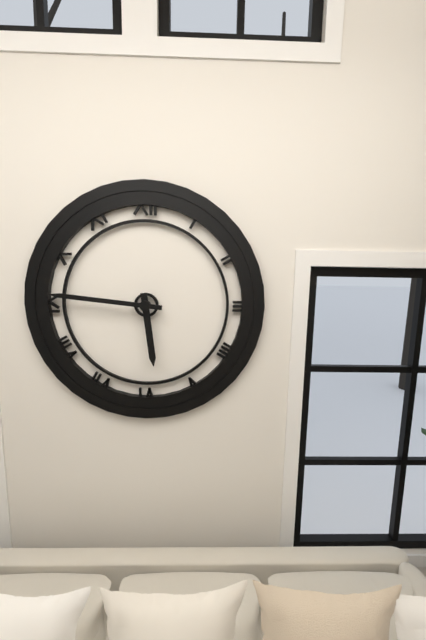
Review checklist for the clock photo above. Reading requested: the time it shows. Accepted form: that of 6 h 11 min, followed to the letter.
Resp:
5 h 46 min
